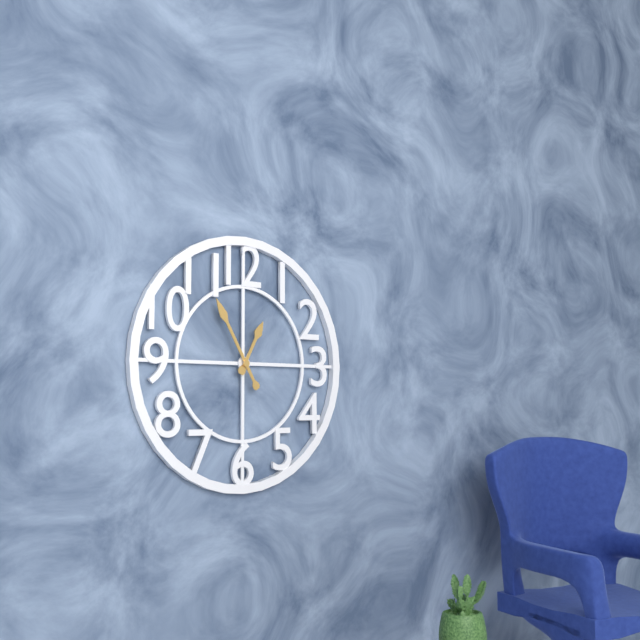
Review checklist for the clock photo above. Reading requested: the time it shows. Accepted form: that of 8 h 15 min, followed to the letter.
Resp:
12 h 55 min
